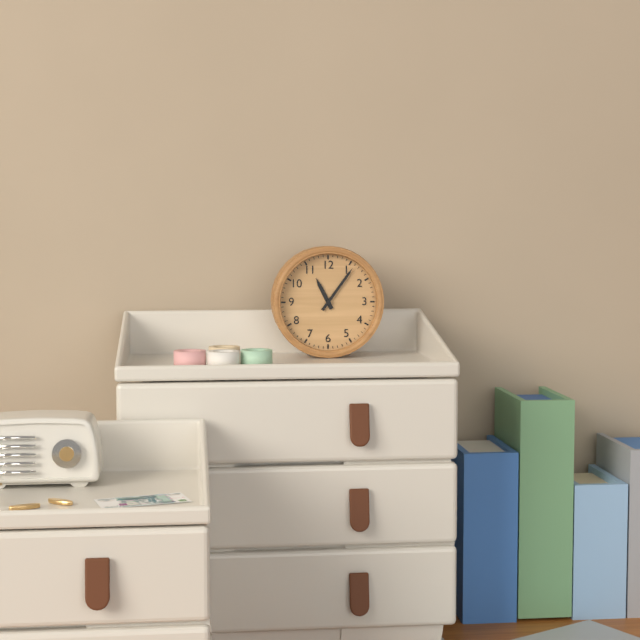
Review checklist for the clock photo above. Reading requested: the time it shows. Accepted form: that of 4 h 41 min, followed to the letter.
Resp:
11 h 06 min
